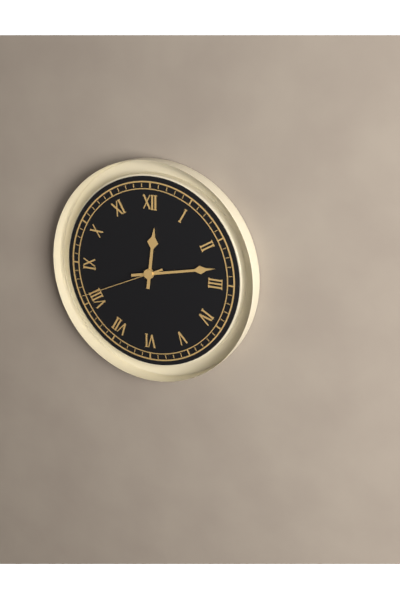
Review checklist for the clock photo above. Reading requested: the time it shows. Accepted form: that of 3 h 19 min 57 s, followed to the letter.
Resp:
12 h 13 min 41 s
